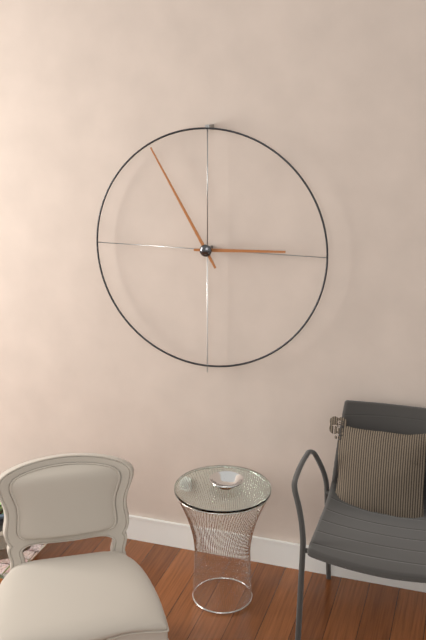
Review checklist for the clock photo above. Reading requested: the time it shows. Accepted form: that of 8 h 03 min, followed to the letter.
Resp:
2 h 55 min
